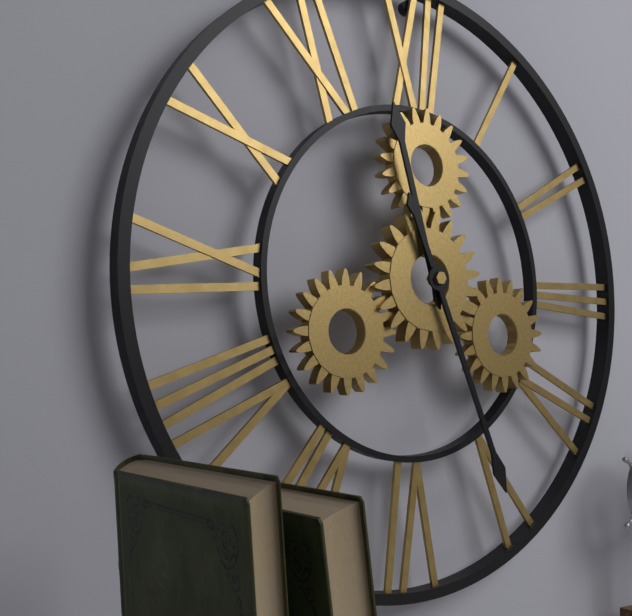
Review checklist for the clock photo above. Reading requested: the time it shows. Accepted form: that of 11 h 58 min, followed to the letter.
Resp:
11 h 26 min
